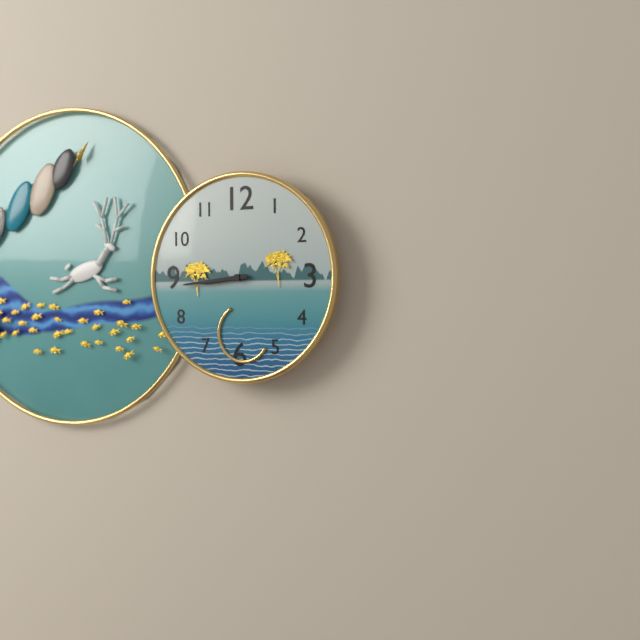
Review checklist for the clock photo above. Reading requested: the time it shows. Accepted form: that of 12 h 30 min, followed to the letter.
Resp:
8 h 44 min
